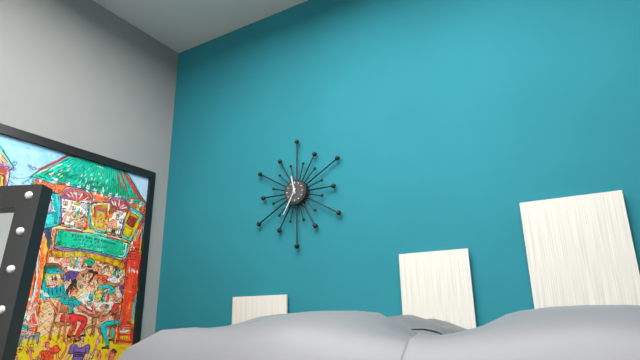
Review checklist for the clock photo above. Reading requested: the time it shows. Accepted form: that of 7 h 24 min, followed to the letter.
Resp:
11 h 35 min
